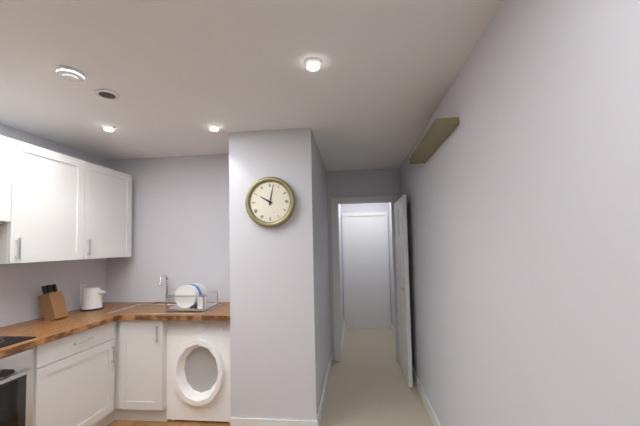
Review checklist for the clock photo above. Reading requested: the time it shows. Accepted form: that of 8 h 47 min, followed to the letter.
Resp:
10 h 02 min
